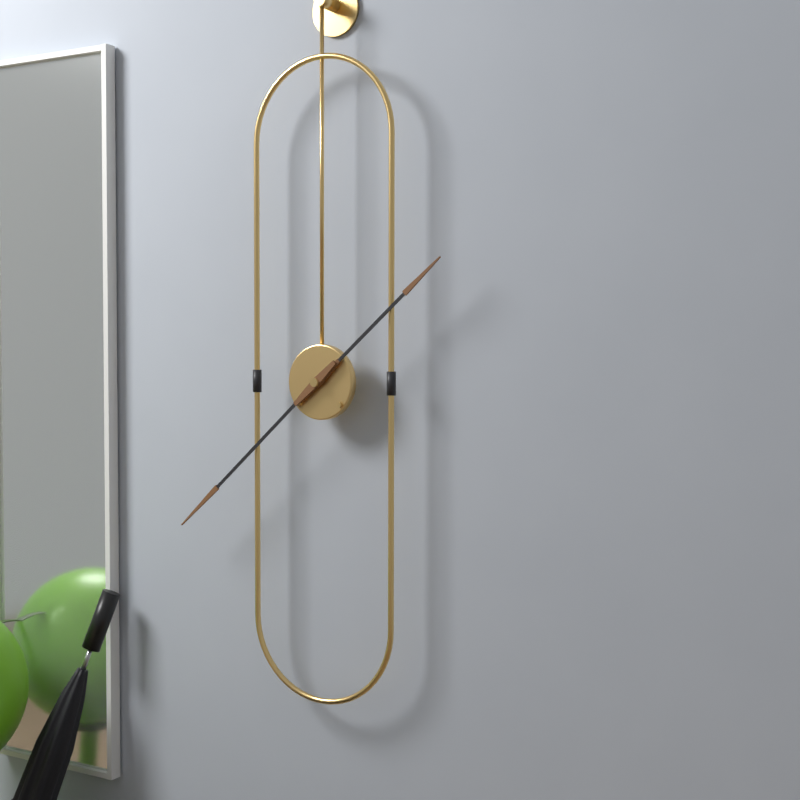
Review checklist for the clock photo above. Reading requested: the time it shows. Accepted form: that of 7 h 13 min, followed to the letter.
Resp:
1 h 38 min
